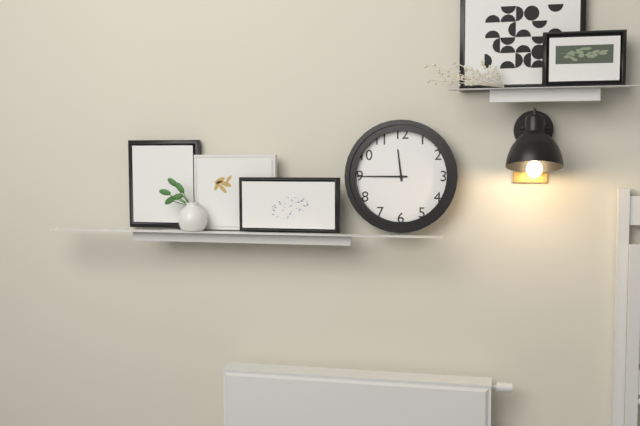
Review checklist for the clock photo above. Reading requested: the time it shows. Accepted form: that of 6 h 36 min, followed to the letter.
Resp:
11 h 45 min
